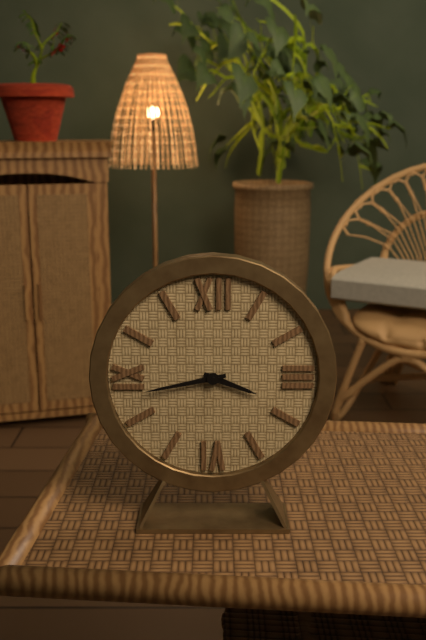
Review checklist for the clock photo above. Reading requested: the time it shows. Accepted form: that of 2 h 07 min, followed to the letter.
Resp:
3 h 43 min
